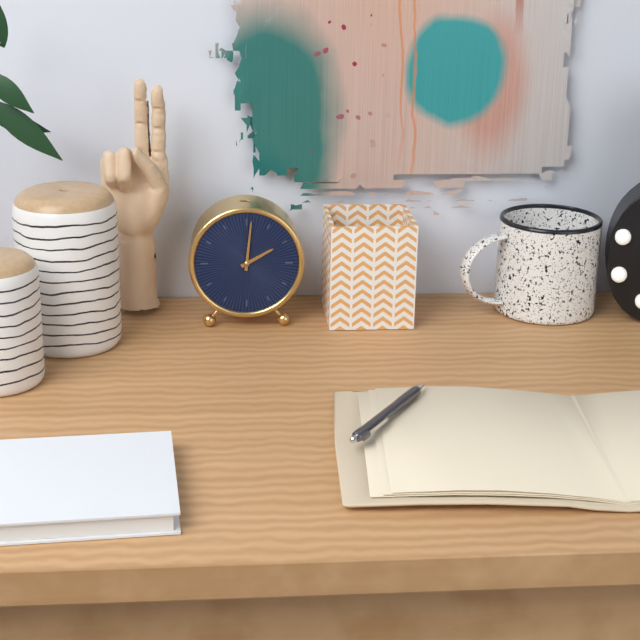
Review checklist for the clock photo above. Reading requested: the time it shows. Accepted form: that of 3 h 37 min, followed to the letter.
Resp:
2 h 01 min
